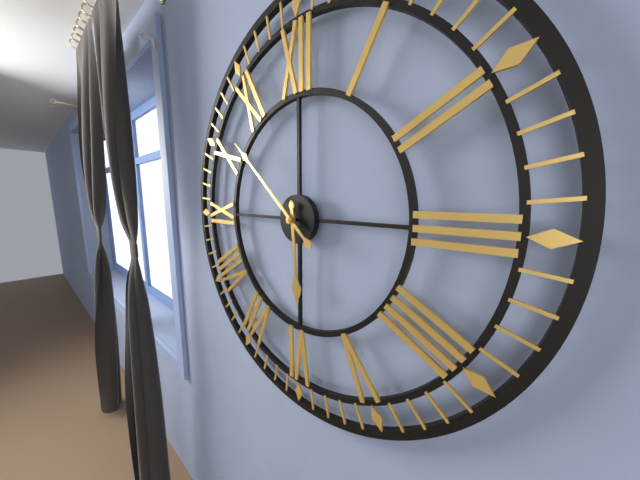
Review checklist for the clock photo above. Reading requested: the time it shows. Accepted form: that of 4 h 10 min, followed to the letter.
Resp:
5 h 52 min
